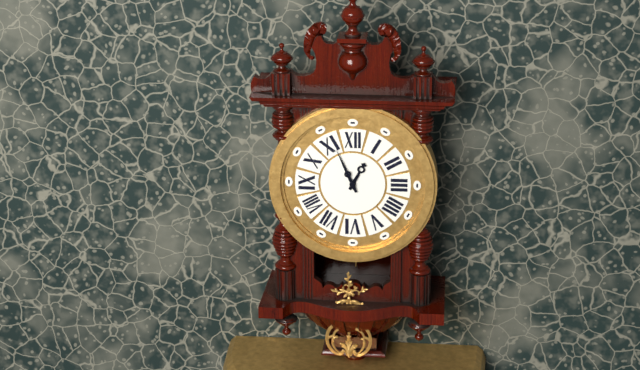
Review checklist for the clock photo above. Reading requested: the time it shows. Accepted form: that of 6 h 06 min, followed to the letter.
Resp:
12 h 56 min
